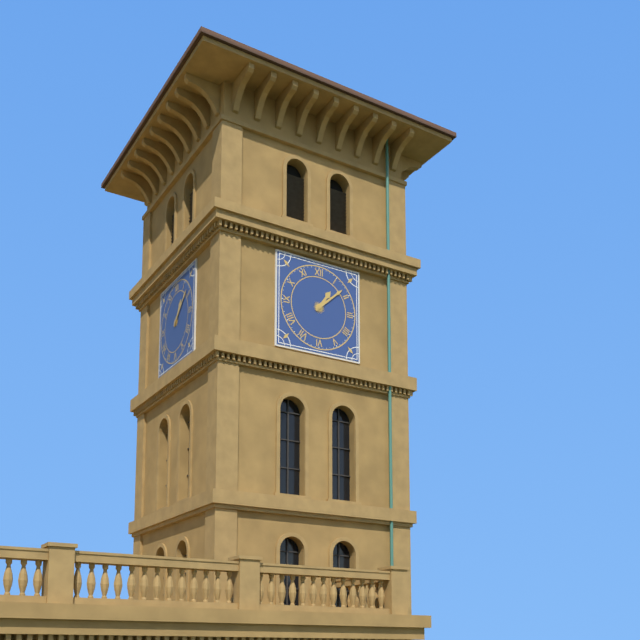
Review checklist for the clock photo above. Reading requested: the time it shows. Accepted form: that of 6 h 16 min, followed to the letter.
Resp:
1 h 08 min
